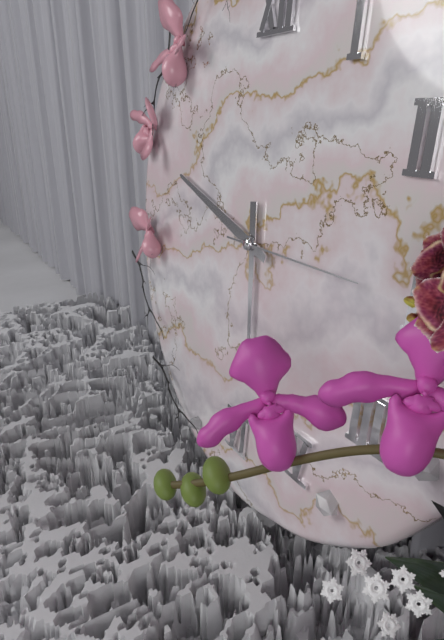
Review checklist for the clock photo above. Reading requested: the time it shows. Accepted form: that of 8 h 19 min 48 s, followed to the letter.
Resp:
5 h 48 min 15 s
